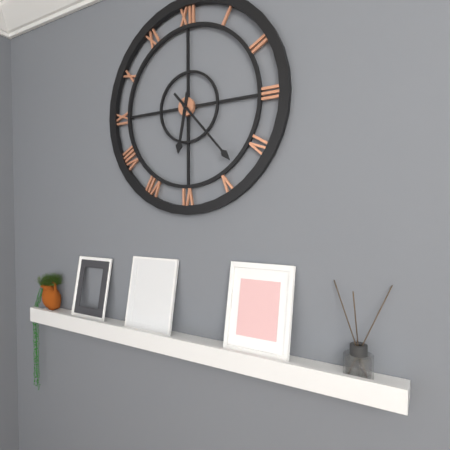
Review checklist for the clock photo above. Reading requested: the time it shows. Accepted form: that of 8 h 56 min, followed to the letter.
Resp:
6 h 23 min
